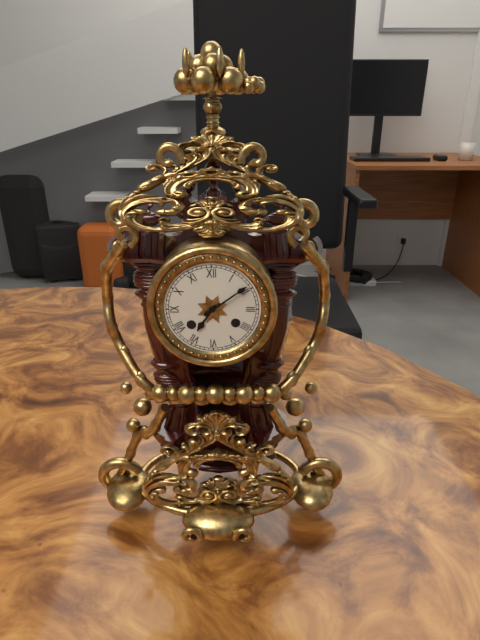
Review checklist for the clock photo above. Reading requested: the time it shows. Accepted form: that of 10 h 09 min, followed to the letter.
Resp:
7 h 09 min
